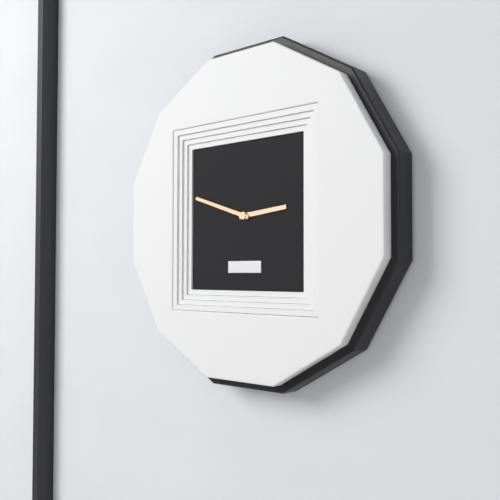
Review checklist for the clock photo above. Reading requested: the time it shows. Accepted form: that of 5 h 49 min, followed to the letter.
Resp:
2 h 48 min
